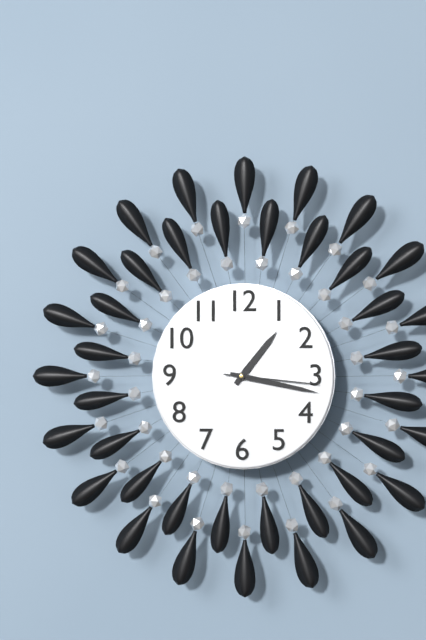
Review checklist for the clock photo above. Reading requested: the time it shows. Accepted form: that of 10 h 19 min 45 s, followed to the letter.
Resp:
1 h 17 min 16 s
